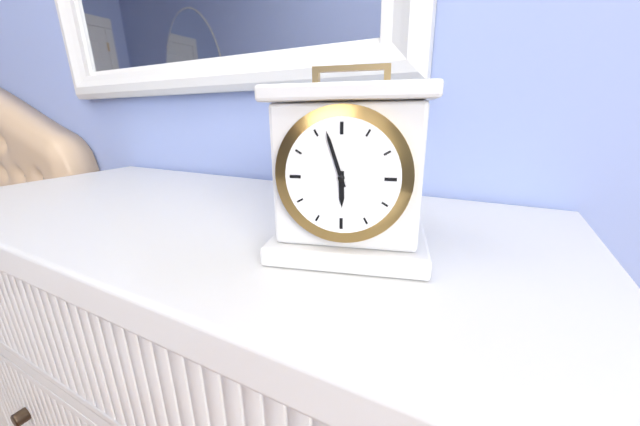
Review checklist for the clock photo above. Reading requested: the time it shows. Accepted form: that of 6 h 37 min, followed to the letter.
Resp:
5 h 57 min
